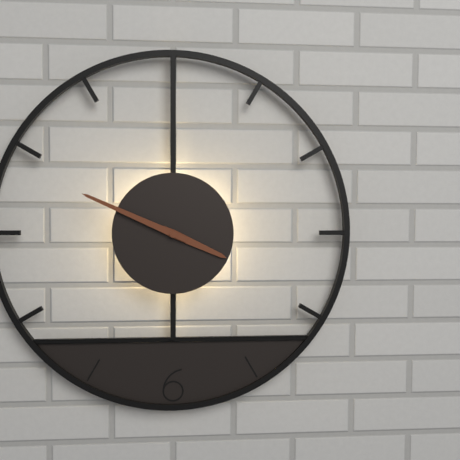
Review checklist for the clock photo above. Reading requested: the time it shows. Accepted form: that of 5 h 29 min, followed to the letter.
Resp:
3 h 49 min
